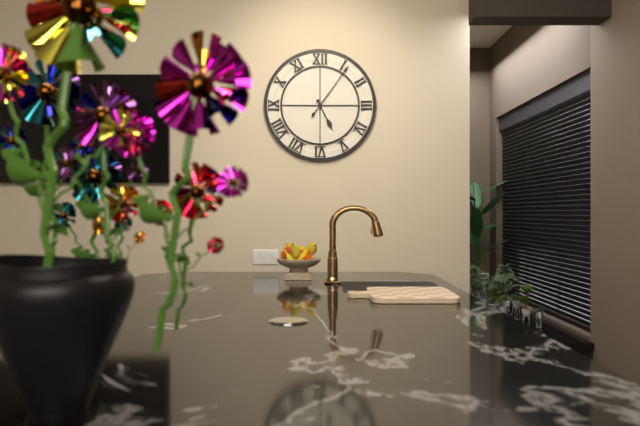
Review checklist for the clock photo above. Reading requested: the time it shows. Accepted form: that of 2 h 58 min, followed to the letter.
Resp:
5 h 06 min
